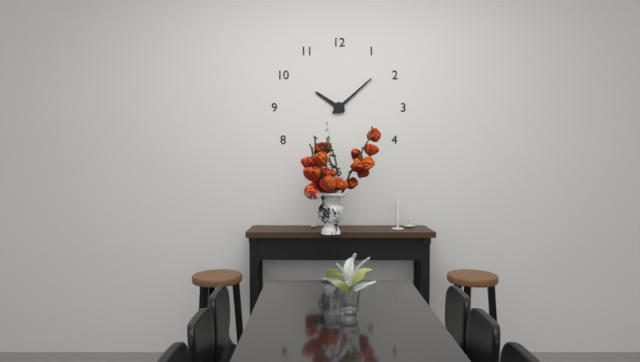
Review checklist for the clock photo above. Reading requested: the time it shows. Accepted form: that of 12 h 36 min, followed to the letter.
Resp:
10 h 08 min
